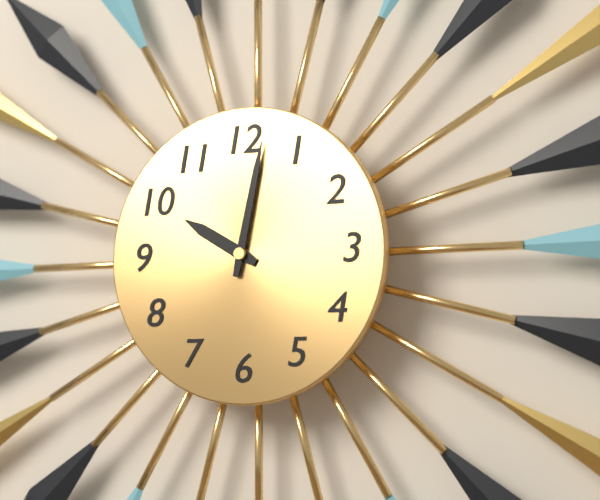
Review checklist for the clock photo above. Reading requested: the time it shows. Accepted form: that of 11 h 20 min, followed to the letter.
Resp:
10 h 02 min
